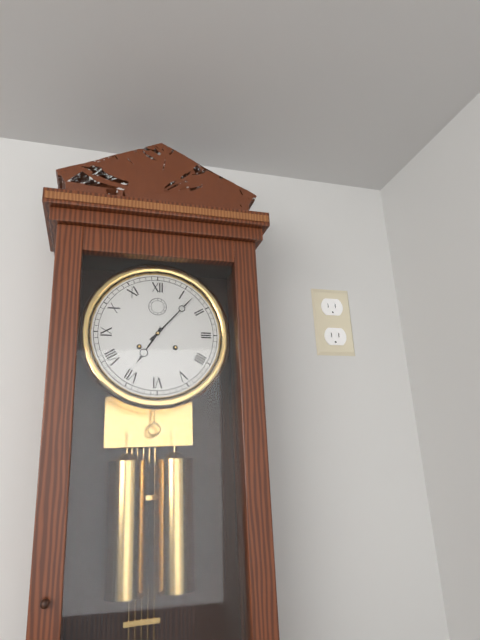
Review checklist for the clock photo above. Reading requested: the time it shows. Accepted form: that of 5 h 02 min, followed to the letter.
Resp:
7 h 07 min
